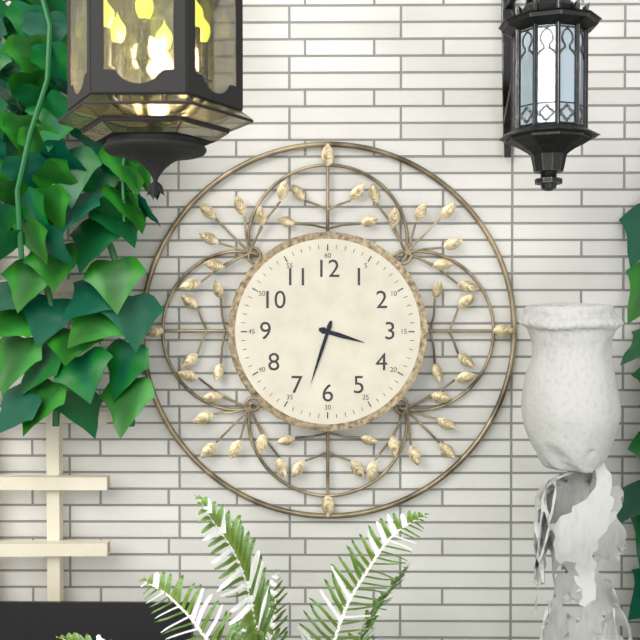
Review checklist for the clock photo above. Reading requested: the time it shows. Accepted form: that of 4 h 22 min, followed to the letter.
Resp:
3 h 33 min
